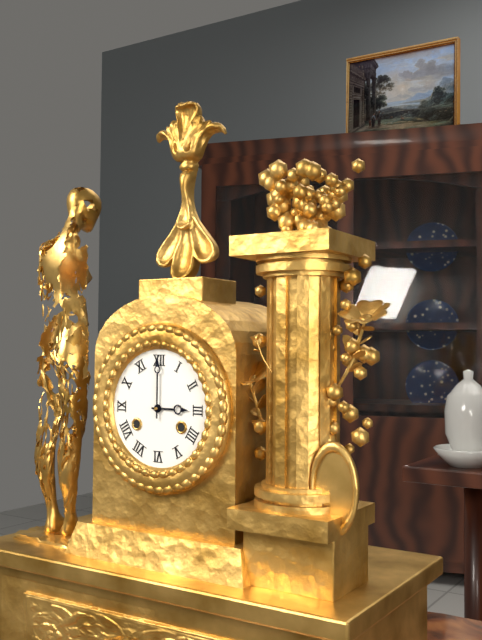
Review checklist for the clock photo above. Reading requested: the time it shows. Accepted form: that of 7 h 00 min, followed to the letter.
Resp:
3 h 00 min
